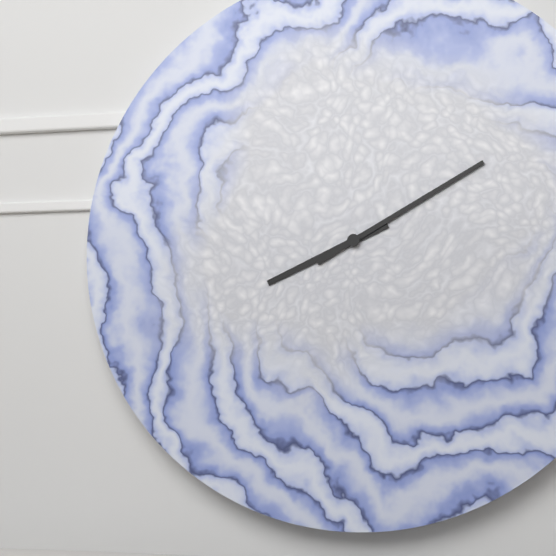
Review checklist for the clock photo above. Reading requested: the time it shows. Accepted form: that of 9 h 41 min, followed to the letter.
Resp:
8 h 10 min
